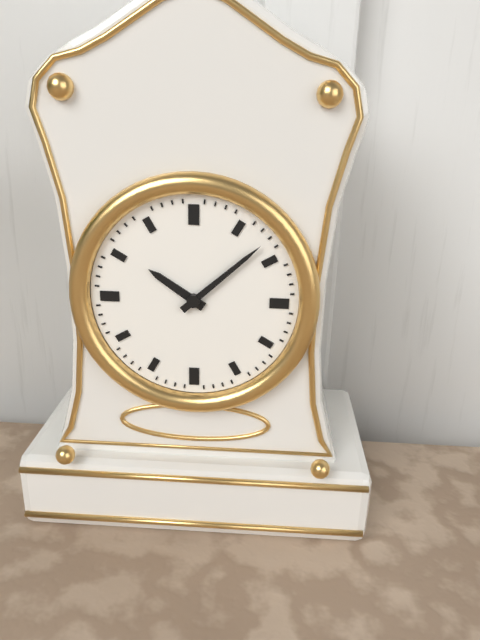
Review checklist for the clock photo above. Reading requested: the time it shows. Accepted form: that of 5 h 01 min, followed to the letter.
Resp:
10 h 08 min
